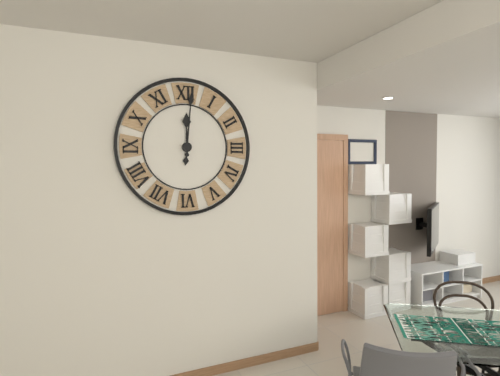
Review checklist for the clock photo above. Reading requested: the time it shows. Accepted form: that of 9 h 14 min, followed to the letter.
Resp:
12 h 01 min
